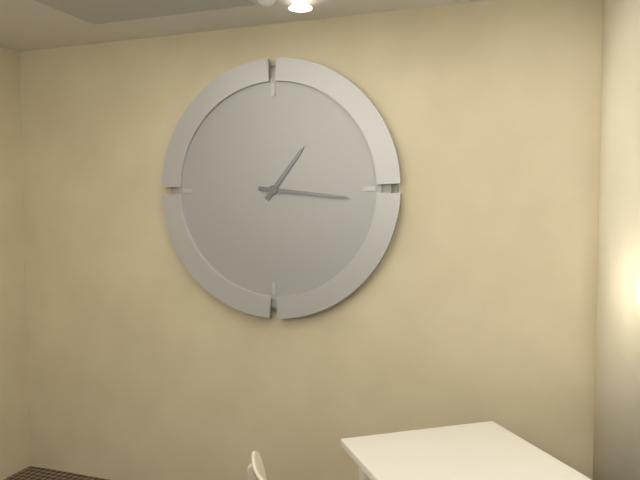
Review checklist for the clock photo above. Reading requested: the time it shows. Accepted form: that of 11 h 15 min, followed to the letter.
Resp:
1 h 16 min
